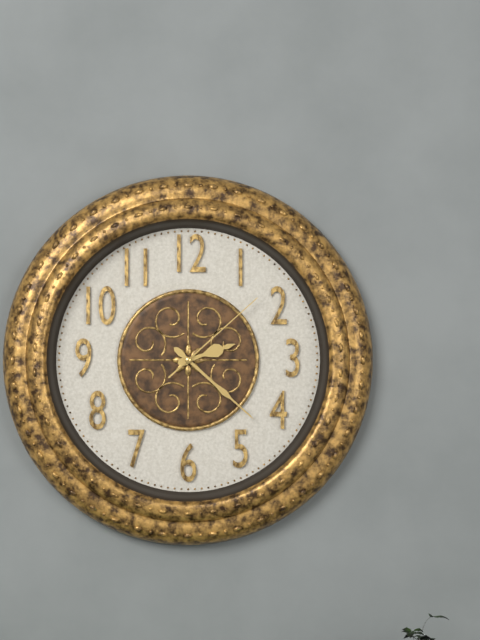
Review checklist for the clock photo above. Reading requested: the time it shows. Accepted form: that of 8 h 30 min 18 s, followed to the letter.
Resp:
2 h 22 min 08 s
